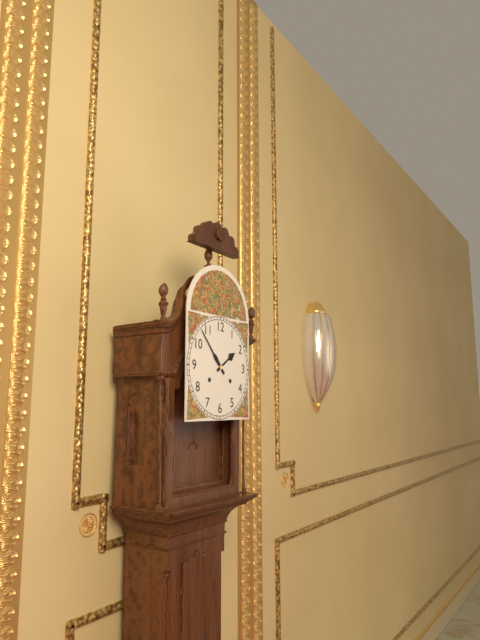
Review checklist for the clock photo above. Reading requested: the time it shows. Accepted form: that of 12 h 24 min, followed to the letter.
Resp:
1 h 53 min
